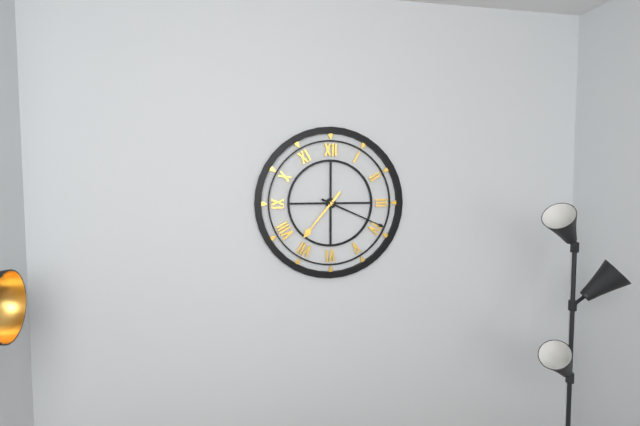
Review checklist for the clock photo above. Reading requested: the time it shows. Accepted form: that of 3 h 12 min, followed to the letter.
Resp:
7 h 19 min
